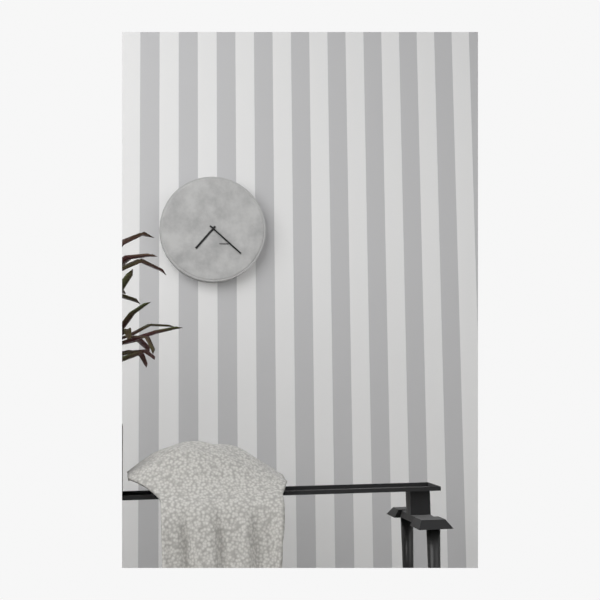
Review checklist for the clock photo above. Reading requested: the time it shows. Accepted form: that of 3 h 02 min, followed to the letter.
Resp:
7 h 22 min
